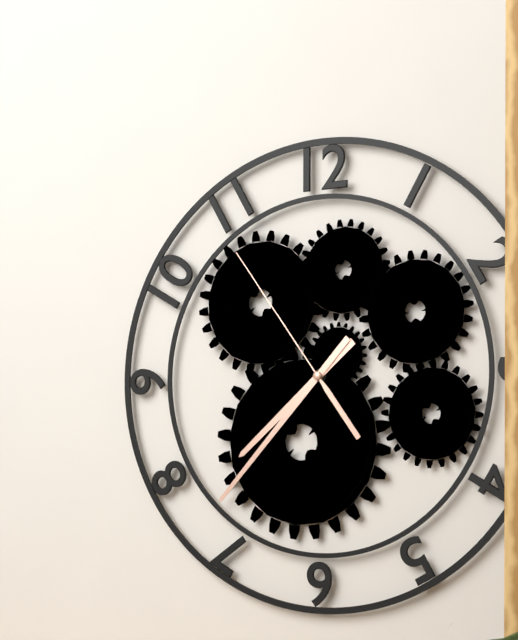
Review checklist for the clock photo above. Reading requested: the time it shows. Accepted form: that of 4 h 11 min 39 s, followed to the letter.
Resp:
7 h 37 min 54 s
